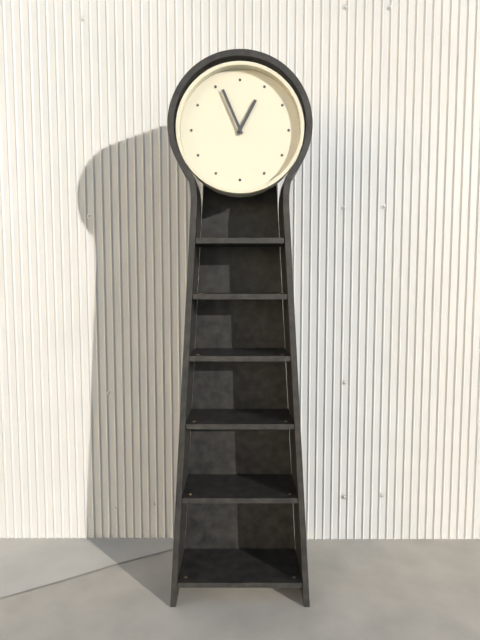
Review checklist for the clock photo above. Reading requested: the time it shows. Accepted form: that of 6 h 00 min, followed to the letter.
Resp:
12 h 56 min
